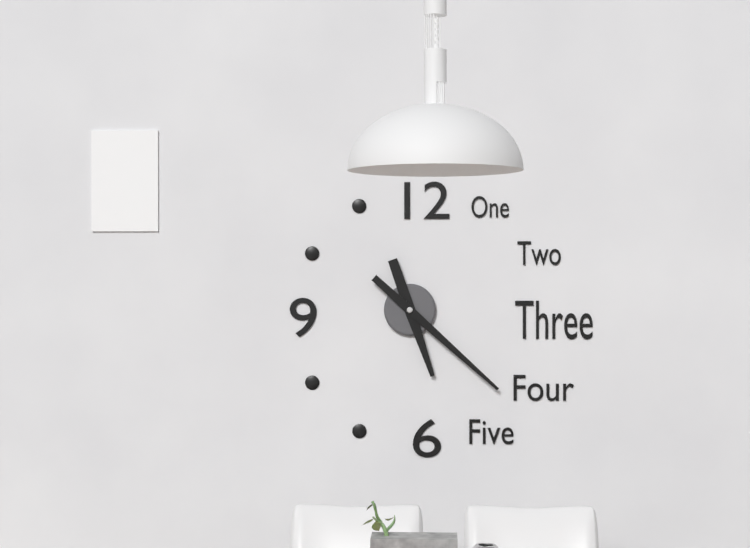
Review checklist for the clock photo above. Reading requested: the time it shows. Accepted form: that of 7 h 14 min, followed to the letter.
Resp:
5 h 22 min
